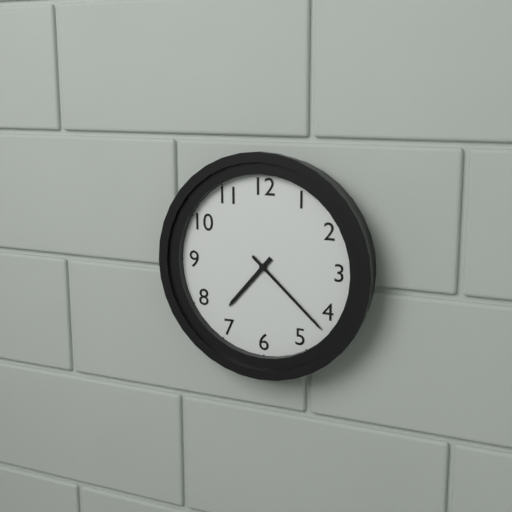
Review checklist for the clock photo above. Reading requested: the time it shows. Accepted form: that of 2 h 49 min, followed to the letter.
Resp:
7 h 22 min
